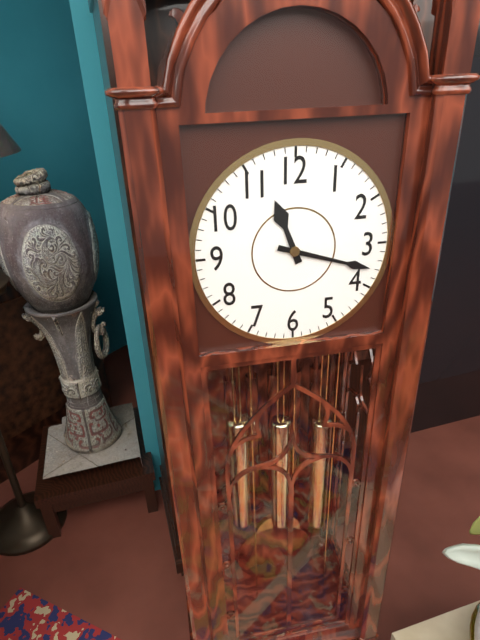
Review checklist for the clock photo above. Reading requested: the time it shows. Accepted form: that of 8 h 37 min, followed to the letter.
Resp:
11 h 18 min
